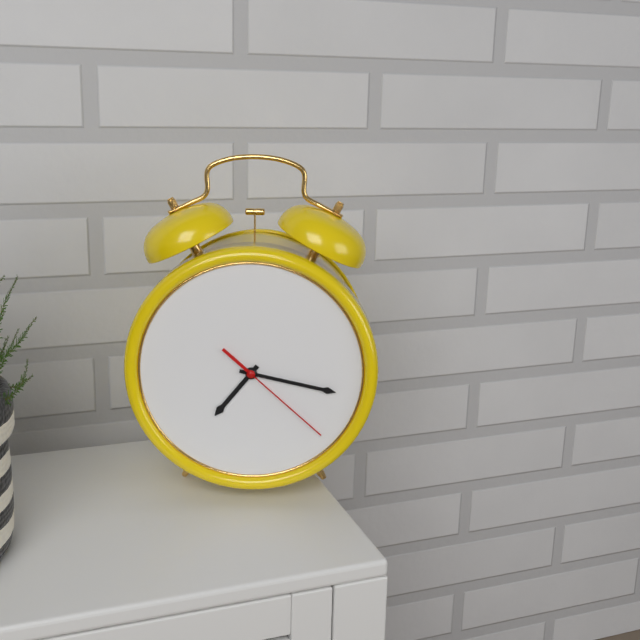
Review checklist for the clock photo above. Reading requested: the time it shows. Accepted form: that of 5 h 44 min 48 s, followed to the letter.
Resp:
7 h 17 min 22 s
